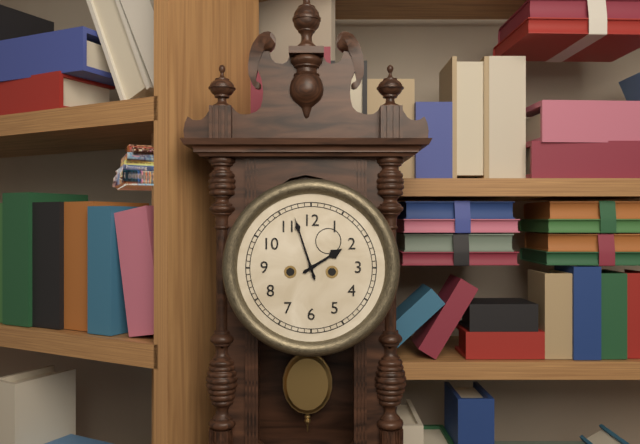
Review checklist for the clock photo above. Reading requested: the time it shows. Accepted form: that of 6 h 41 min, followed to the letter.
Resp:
1 h 57 min
